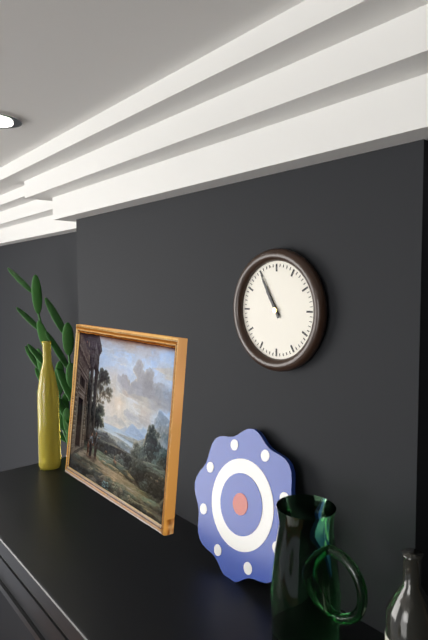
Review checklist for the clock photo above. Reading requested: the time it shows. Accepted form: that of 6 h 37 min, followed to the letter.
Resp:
10 h 55 min
